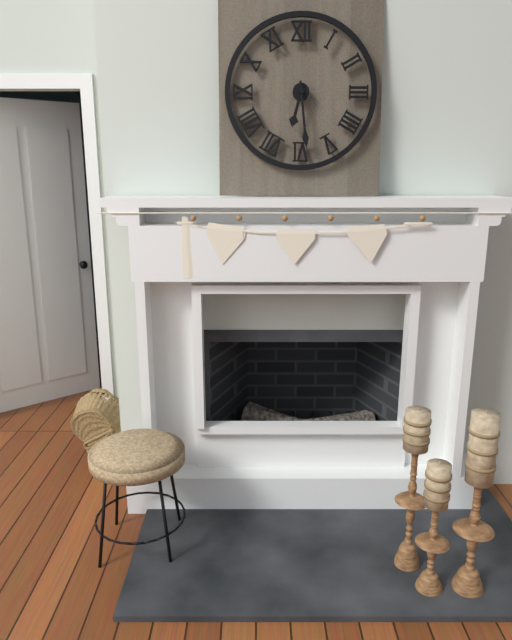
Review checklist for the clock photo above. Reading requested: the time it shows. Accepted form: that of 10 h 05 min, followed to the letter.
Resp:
6 h 29 min
